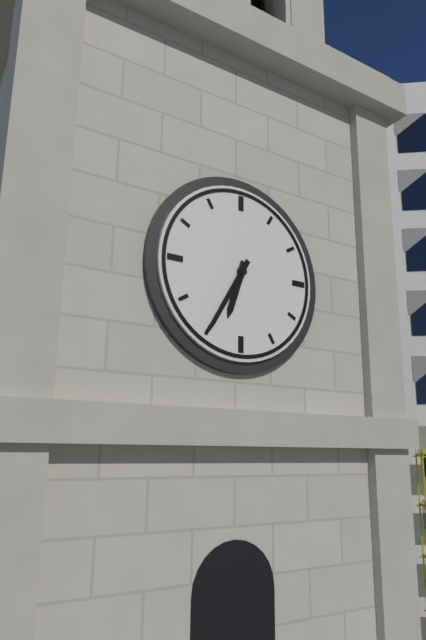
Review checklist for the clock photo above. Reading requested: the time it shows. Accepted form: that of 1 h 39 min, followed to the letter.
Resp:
6 h 35 min
